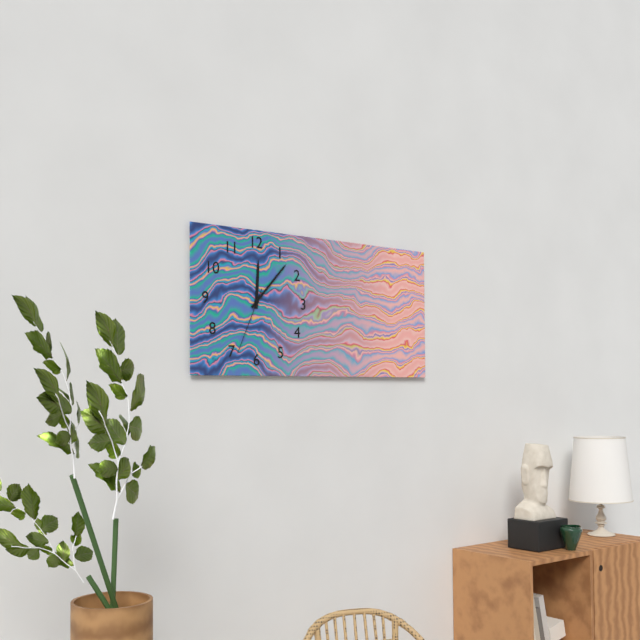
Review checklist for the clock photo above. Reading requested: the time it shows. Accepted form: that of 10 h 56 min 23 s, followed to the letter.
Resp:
12 h 07 min 34 s
